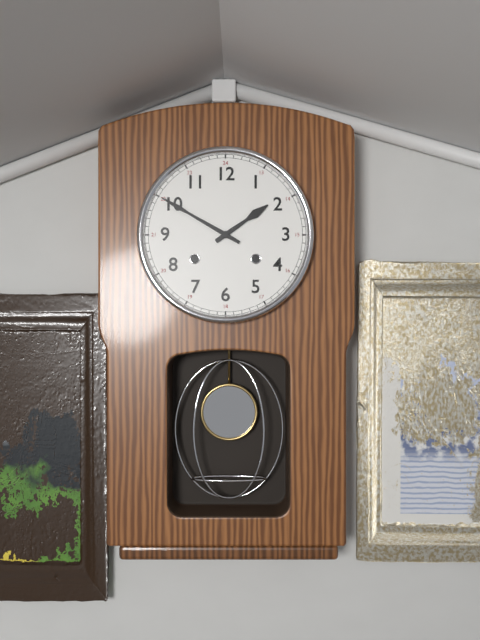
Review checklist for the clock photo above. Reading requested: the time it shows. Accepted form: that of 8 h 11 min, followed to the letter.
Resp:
1 h 50 min
